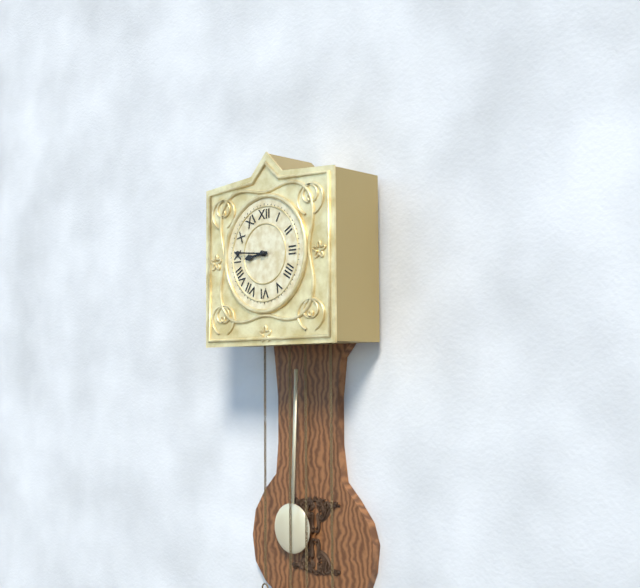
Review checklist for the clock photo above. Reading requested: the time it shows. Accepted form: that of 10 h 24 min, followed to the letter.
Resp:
8 h 46 min
